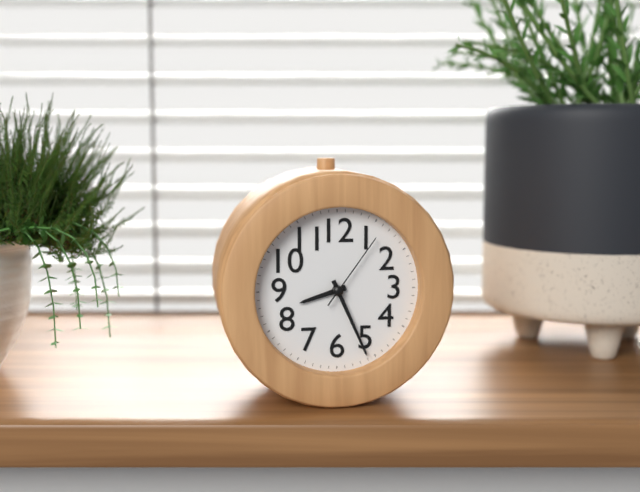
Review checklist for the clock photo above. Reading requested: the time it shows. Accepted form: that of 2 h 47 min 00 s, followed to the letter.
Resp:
8 h 26 min 06 s
